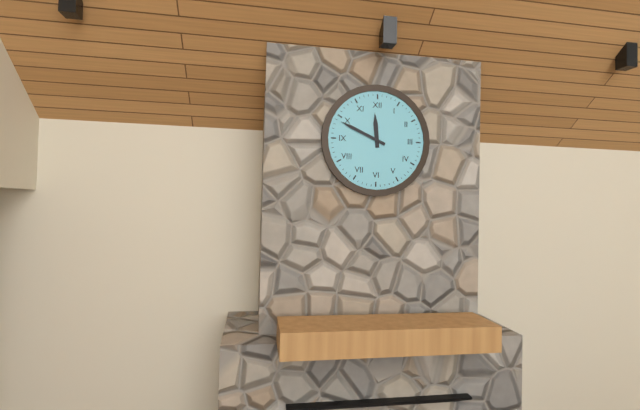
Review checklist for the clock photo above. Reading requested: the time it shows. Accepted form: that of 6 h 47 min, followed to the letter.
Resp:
11 h 49 min
